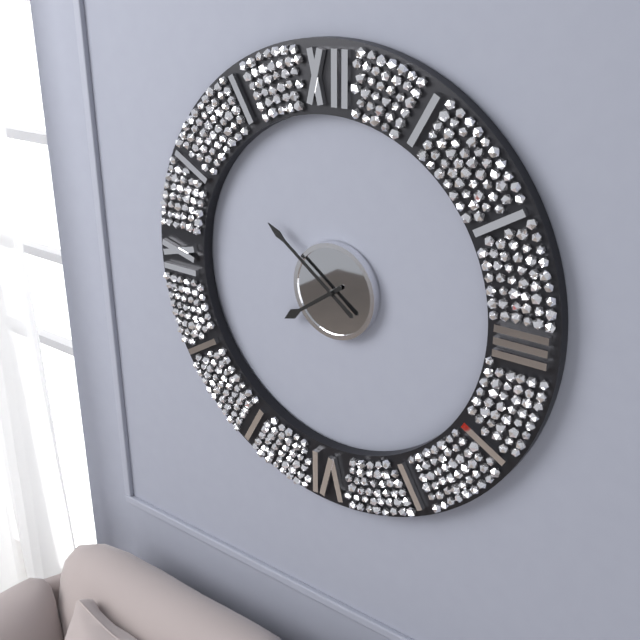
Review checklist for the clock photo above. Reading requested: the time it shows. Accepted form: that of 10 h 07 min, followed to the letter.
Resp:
7 h 51 min
